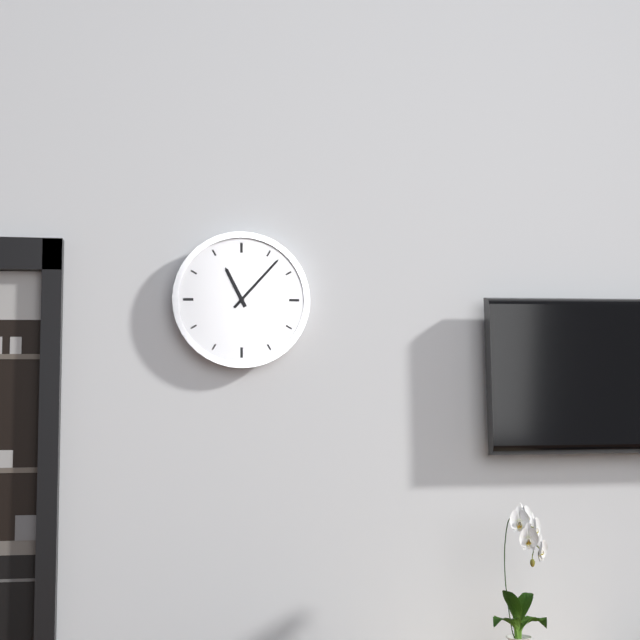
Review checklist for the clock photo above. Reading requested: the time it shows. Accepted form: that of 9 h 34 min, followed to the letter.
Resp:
11 h 07 min
